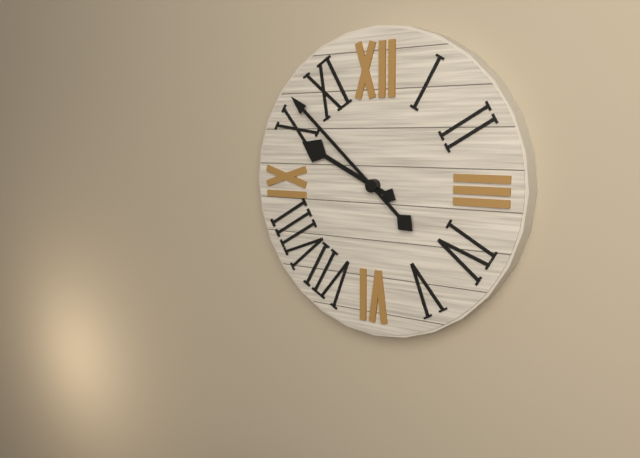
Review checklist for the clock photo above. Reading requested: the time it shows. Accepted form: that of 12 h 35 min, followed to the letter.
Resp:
9 h 52 min
